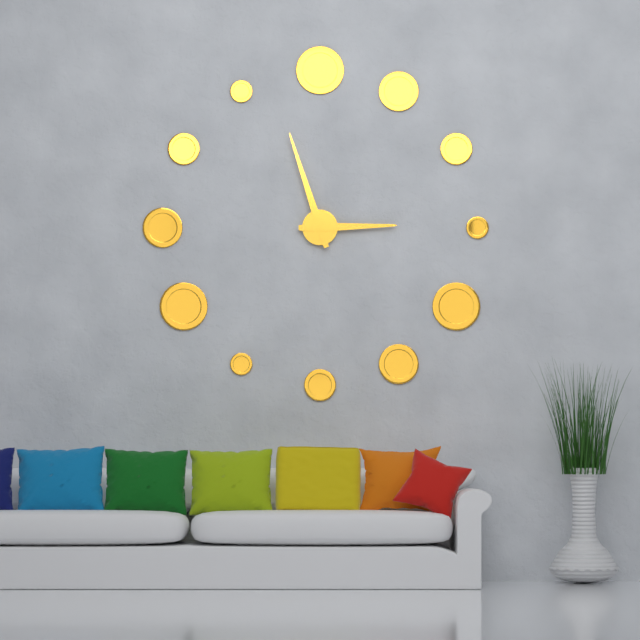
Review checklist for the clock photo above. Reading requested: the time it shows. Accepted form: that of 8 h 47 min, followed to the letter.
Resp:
2 h 57 min
